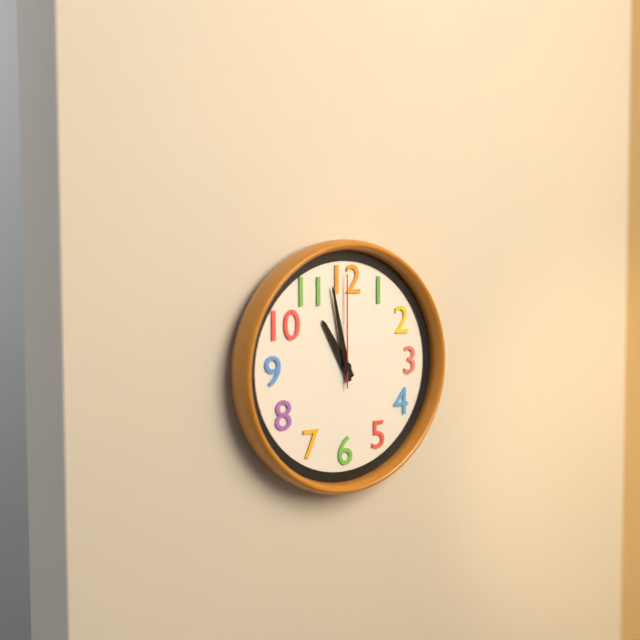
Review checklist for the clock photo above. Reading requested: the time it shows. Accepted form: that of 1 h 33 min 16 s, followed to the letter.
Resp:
10 h 58 min 00 s
